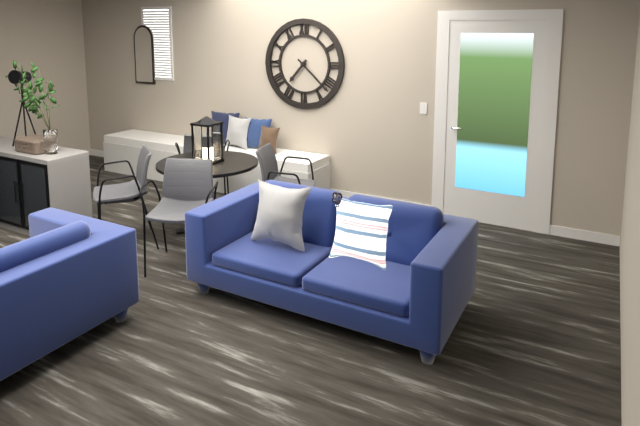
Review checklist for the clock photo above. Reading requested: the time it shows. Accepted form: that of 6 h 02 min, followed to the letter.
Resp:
7 h 22 min
